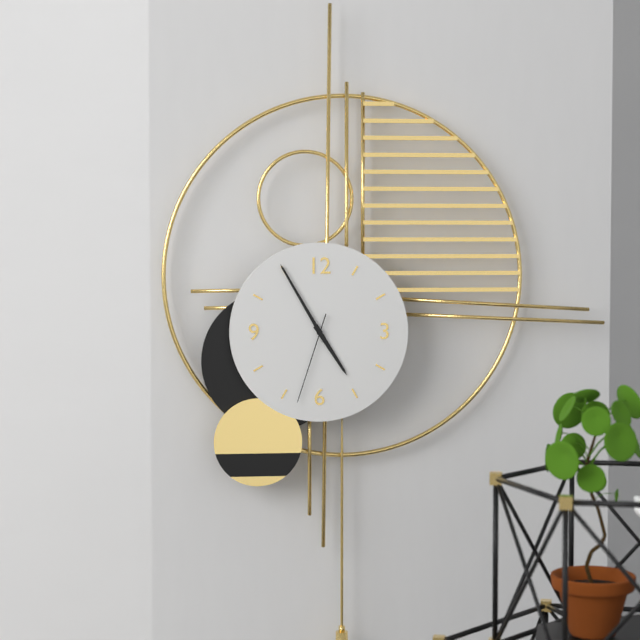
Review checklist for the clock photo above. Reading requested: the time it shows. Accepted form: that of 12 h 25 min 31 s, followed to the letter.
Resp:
4 h 55 min 33 s
